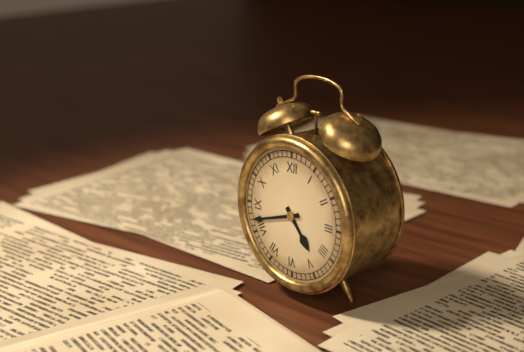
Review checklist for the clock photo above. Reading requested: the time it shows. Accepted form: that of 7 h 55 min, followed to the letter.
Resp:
4 h 42 min
